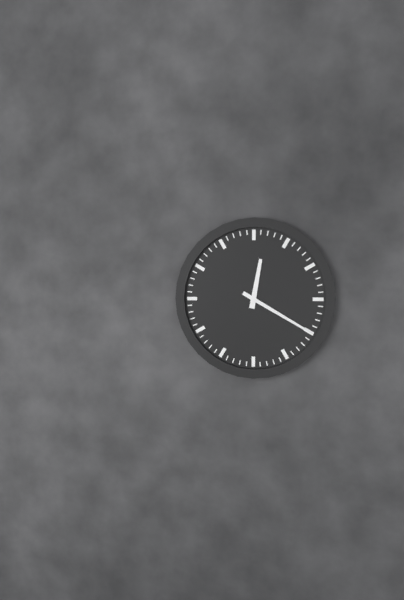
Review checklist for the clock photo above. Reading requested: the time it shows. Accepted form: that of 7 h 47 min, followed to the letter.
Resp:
12 h 20 min
